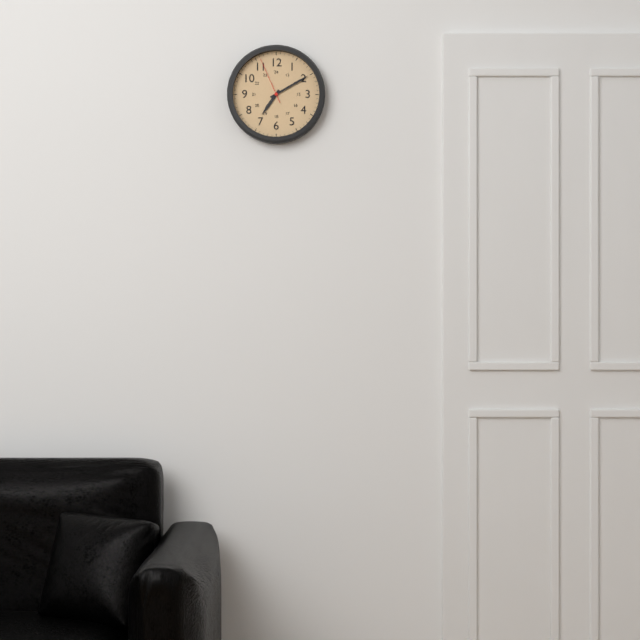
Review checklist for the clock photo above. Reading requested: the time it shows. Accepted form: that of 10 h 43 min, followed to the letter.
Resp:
7 h 10 min
